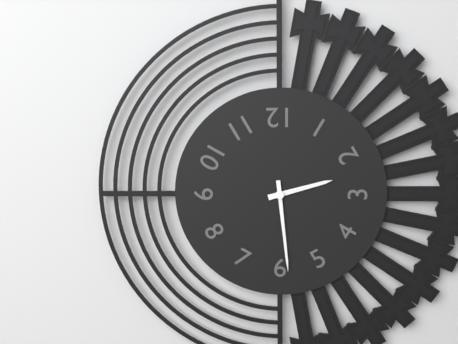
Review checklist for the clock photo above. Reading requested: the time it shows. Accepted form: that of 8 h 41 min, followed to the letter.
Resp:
2 h 29 min
